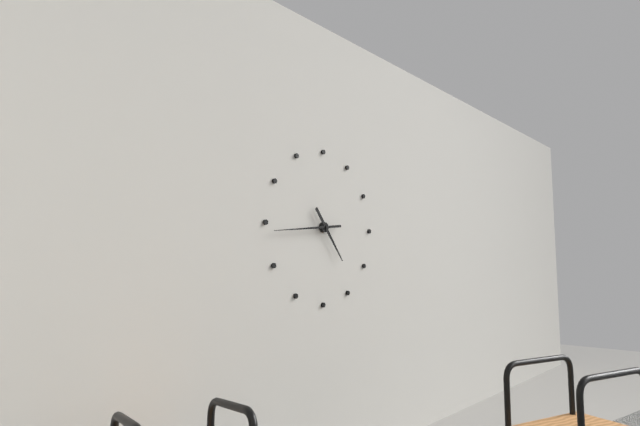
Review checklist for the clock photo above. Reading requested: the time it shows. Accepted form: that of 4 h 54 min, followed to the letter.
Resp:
4 h 44 min
